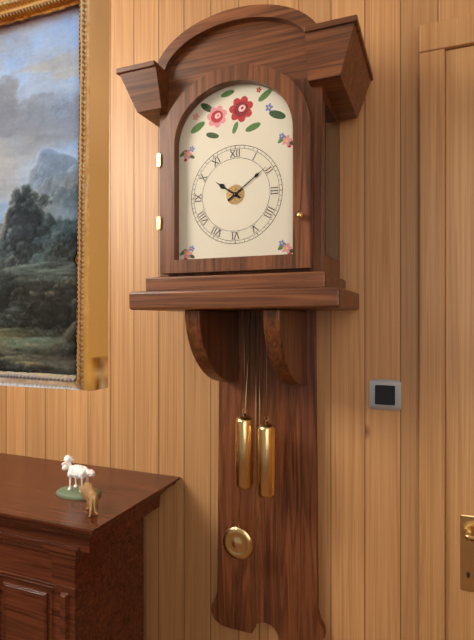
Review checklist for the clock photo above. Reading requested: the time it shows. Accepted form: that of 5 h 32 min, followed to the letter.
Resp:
10 h 09 min
